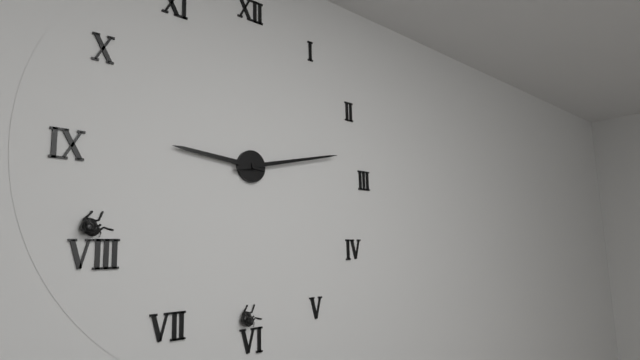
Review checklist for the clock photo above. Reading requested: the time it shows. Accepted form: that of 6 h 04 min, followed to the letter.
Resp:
9 h 13 min
